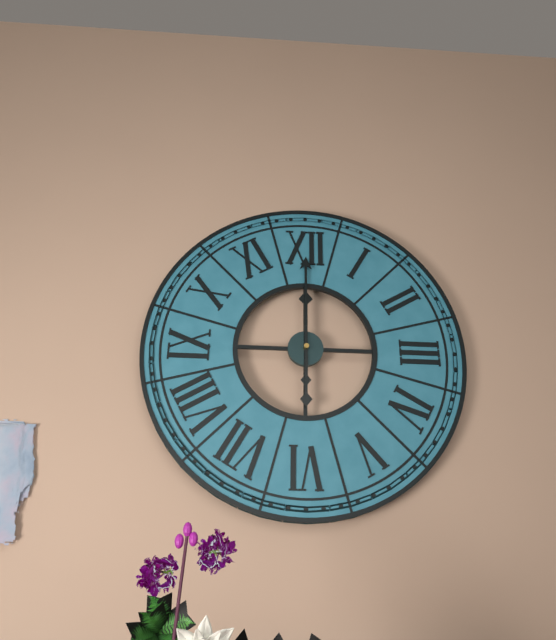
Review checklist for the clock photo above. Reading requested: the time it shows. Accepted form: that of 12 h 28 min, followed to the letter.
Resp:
12 h 00 min
